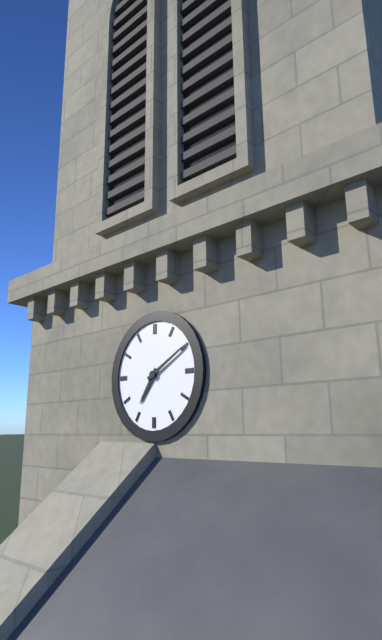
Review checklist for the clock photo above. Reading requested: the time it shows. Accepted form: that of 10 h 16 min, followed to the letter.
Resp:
7 h 10 min
